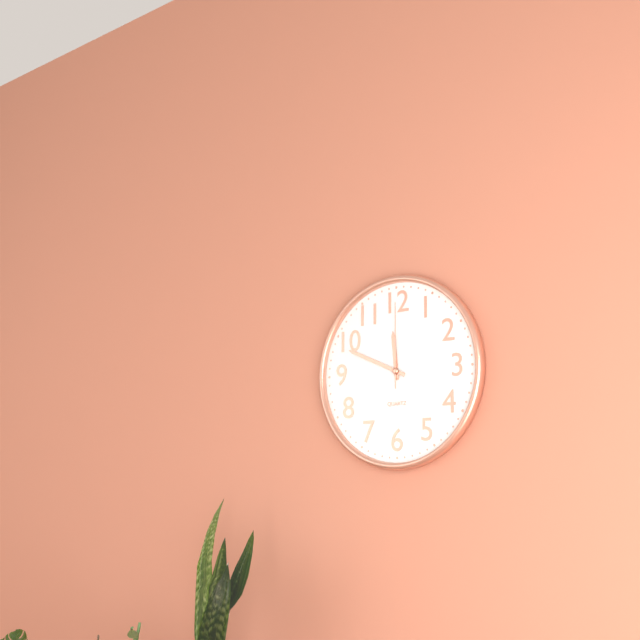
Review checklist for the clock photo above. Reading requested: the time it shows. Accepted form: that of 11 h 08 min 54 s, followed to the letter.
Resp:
11 h 49 min 00 s
